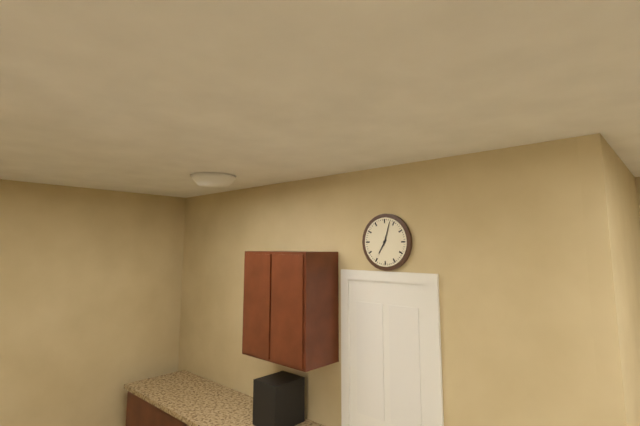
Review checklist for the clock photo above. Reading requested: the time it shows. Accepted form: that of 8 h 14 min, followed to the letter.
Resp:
7 h 03 min
